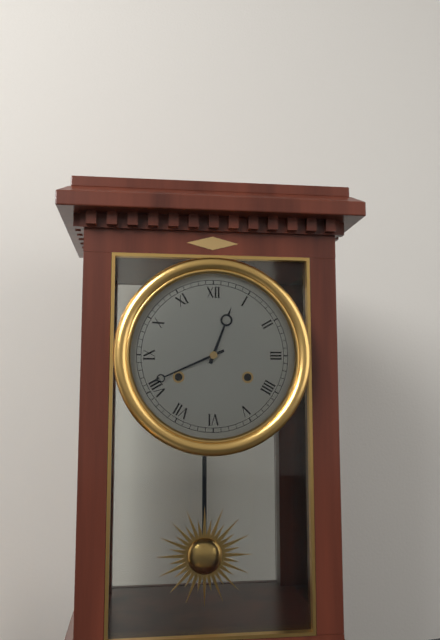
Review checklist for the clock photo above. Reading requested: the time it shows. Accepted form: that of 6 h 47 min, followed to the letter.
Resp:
12 h 41 min
